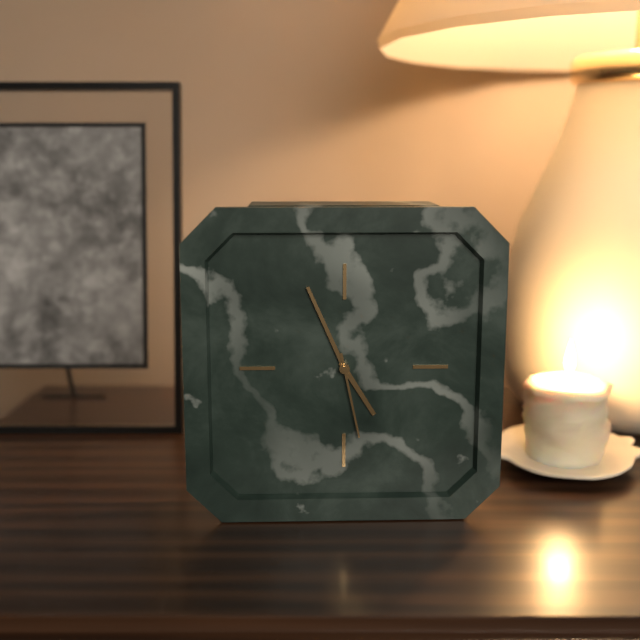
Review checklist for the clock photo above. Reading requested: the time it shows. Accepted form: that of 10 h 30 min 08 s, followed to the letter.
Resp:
4 h 56 min 28 s
